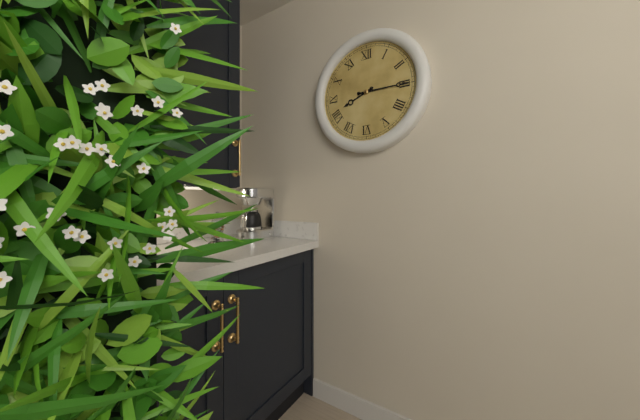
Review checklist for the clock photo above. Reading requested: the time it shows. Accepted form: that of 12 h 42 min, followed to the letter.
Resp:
8 h 15 min
